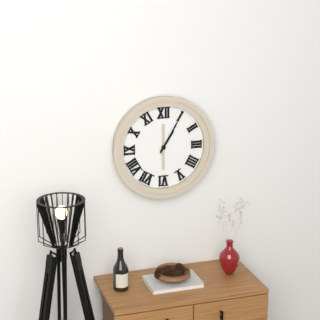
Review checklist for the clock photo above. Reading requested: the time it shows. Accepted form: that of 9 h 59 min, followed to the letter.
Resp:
1 h 05 min
